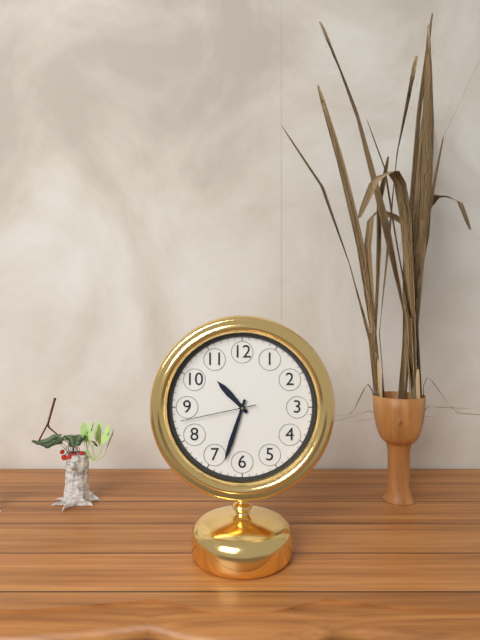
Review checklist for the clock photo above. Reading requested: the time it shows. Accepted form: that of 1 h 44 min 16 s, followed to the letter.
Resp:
10 h 33 min 43 s
